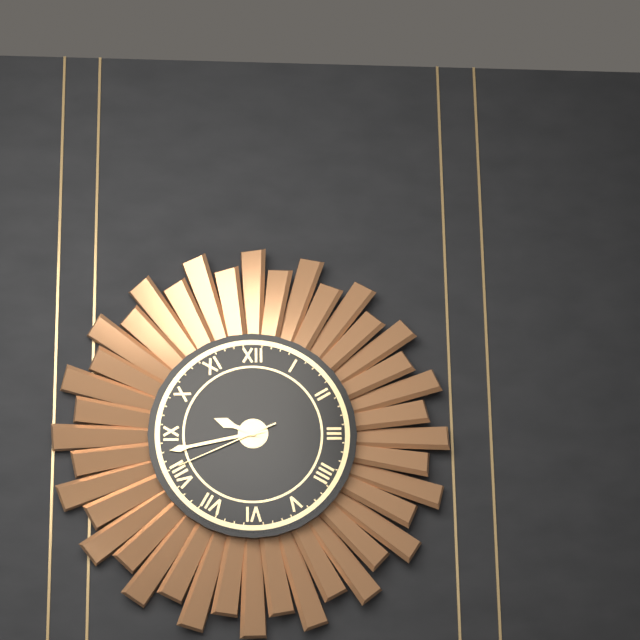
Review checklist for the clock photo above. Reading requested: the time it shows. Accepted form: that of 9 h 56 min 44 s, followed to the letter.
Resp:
9 h 43 min 41 s
